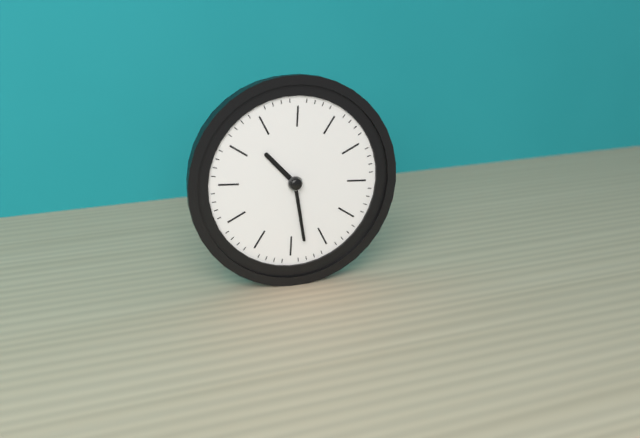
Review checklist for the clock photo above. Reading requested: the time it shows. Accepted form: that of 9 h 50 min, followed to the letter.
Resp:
10 h 28 min
